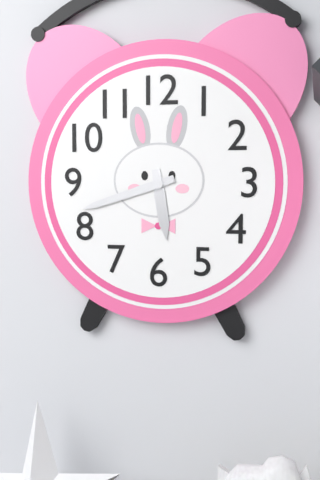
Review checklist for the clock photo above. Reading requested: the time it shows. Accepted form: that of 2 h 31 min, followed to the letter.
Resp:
5 h 42 min
